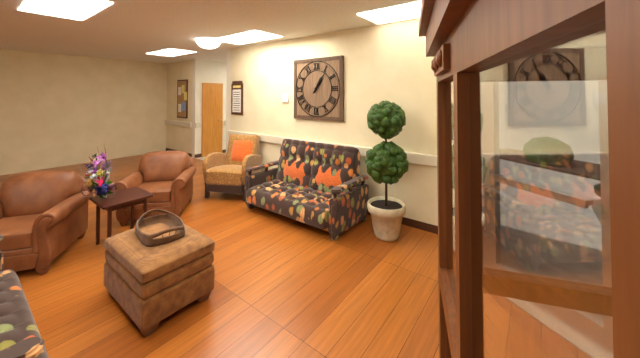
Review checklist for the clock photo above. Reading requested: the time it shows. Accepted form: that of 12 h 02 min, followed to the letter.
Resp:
1 h 06 min
